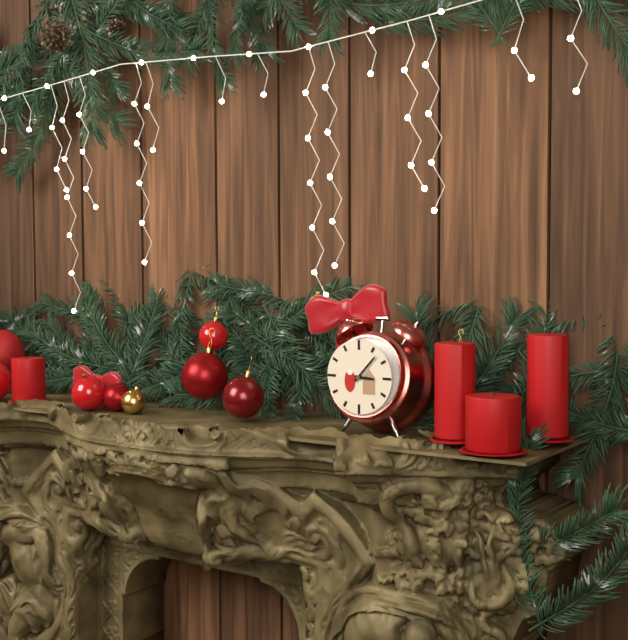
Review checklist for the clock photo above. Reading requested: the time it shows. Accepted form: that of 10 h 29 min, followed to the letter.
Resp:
3 h 07 min
